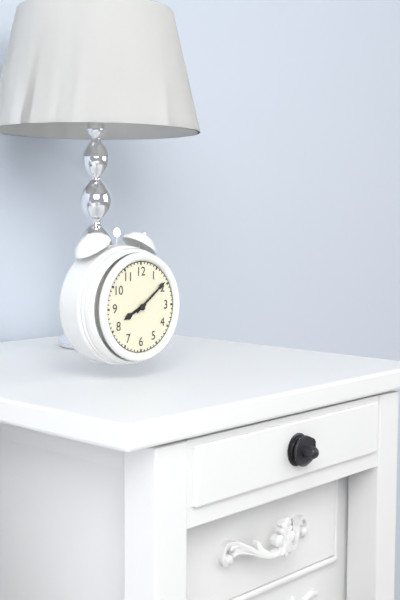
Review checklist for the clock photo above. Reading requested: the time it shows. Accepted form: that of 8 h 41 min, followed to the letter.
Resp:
8 h 09 min
